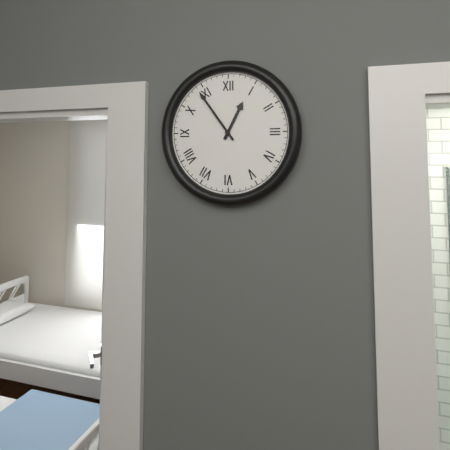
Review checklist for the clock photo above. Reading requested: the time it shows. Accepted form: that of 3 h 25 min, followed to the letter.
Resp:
12 h 54 min
